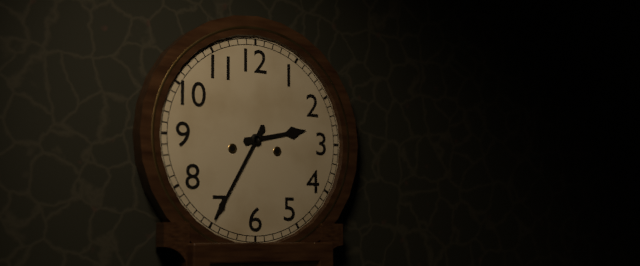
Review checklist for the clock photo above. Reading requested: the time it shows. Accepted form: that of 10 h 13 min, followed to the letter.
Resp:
2 h 35 min
